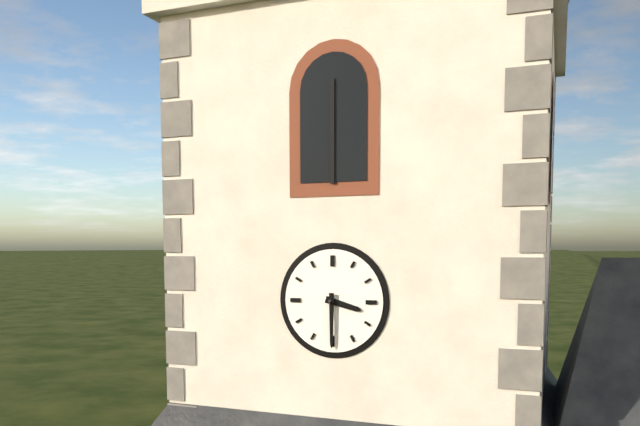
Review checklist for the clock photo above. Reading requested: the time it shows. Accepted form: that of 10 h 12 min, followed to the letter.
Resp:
3 h 30 min
